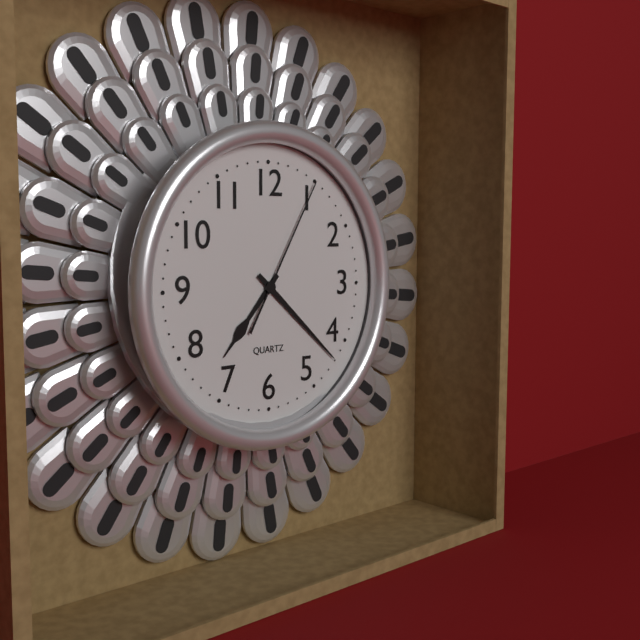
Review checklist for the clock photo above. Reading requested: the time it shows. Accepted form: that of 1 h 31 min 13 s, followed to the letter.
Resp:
7 h 22 min 05 s
